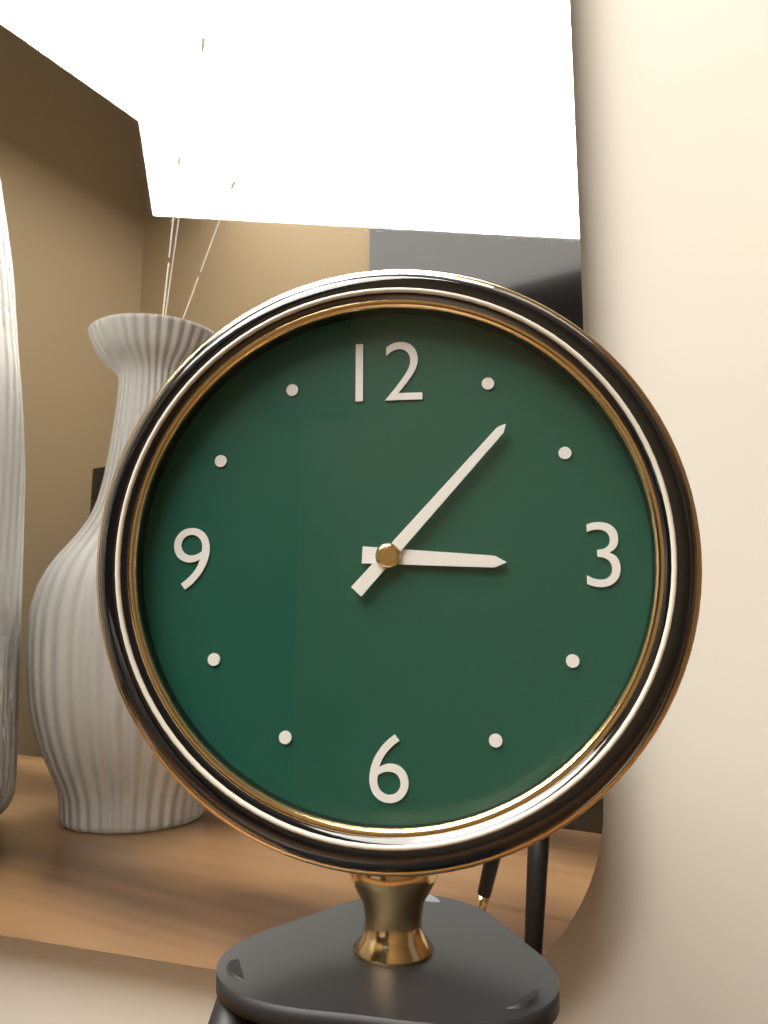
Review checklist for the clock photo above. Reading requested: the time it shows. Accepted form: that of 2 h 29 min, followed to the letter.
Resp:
3 h 07 min
